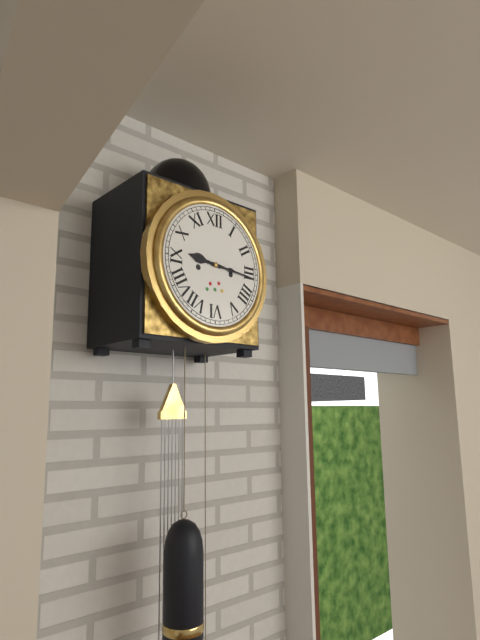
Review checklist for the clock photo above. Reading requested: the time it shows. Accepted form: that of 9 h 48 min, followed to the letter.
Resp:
9 h 16 min
